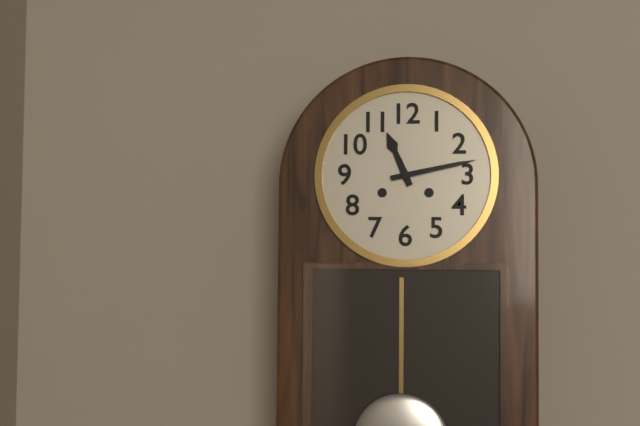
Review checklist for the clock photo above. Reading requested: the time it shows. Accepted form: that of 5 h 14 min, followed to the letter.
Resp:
11 h 13 min
